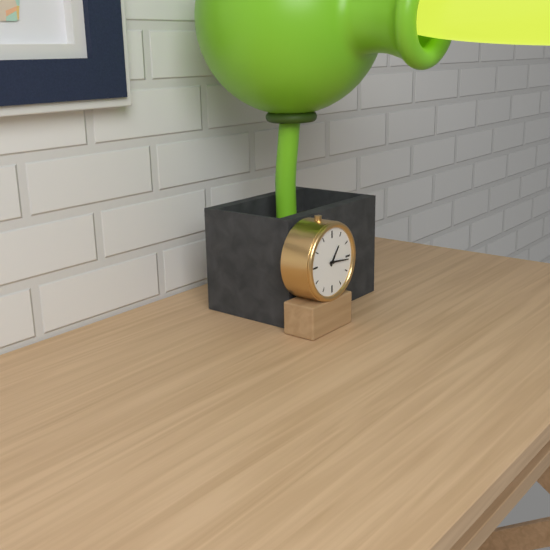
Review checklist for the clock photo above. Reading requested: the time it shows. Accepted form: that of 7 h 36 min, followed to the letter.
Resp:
1 h 16 min
